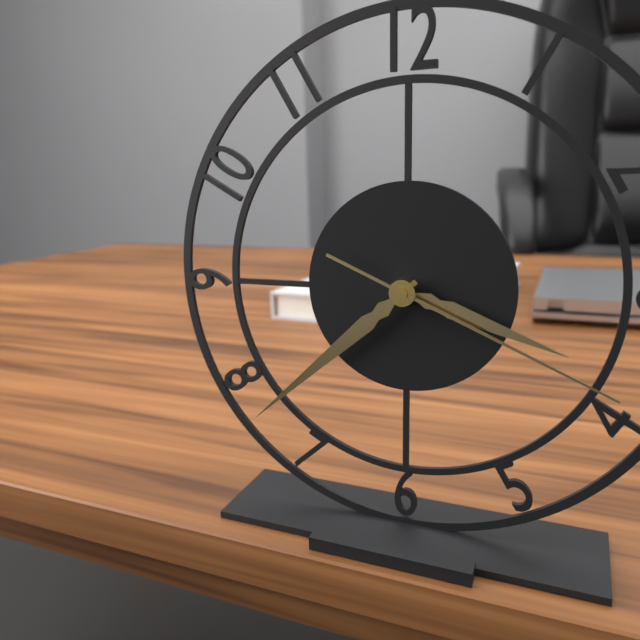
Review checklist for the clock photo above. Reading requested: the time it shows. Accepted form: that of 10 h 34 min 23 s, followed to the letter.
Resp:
3 h 38 min 19 s
